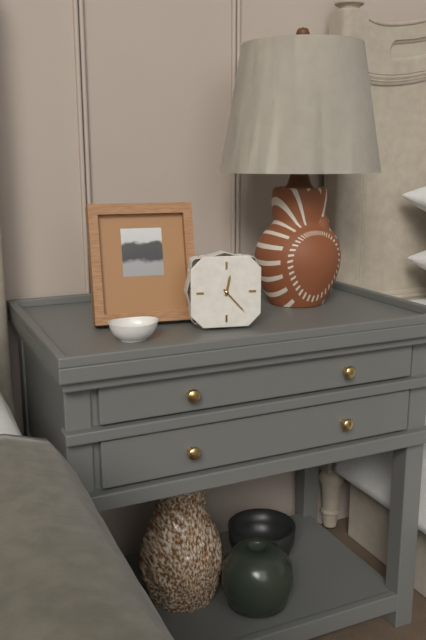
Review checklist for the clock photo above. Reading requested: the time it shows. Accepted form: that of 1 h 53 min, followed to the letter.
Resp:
12 h 23 min
